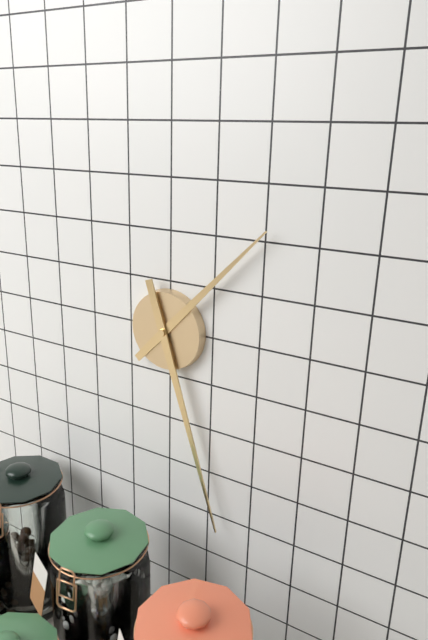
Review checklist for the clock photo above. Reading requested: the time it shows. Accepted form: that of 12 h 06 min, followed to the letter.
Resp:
1 h 27 min
